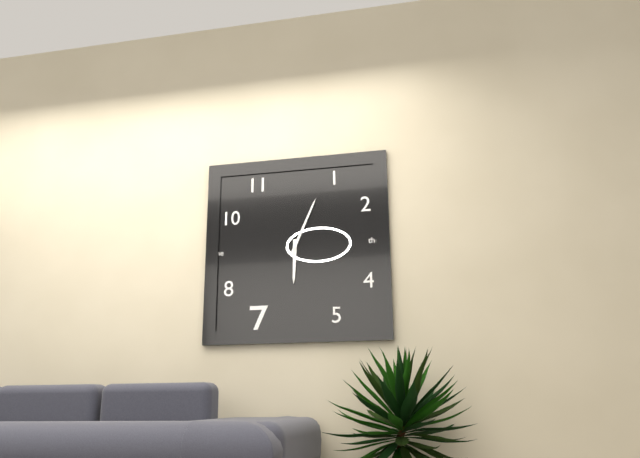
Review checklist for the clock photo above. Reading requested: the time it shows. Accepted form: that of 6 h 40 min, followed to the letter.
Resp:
6 h 04 min
